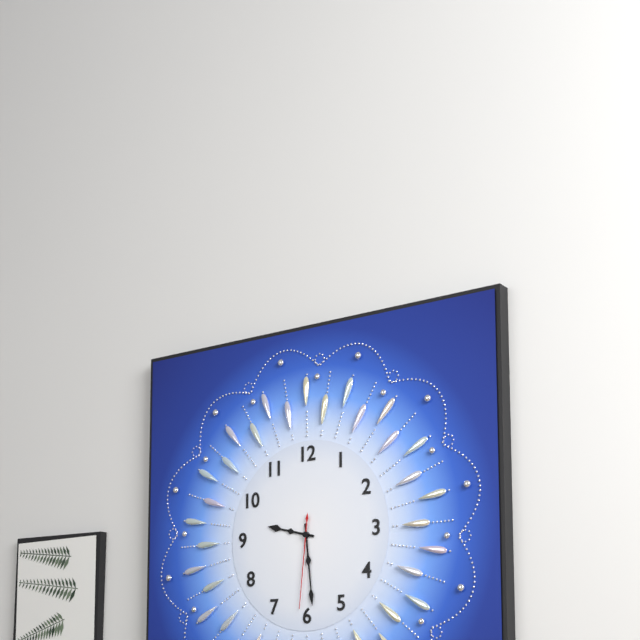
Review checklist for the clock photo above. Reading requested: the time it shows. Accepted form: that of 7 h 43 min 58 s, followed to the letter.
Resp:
9 h 29 min 31 s
